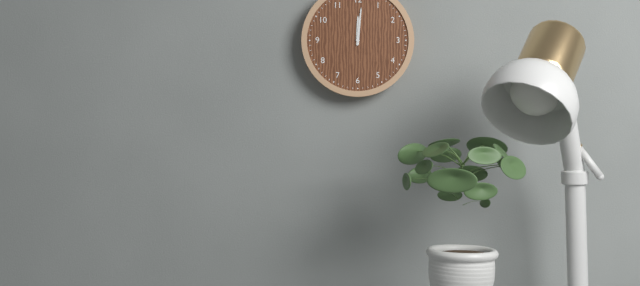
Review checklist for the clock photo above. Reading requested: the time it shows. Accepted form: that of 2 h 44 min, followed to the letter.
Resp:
12 h 01 min
